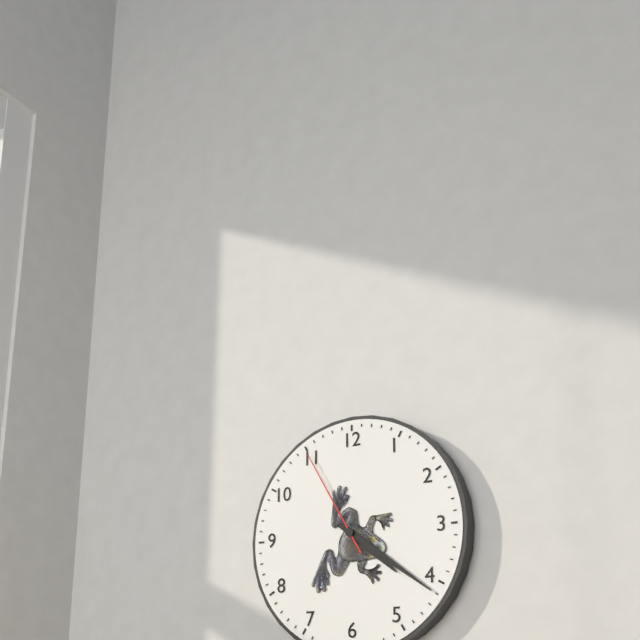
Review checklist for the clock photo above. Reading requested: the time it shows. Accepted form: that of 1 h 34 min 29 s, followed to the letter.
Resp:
4 h 21 min 55 s
